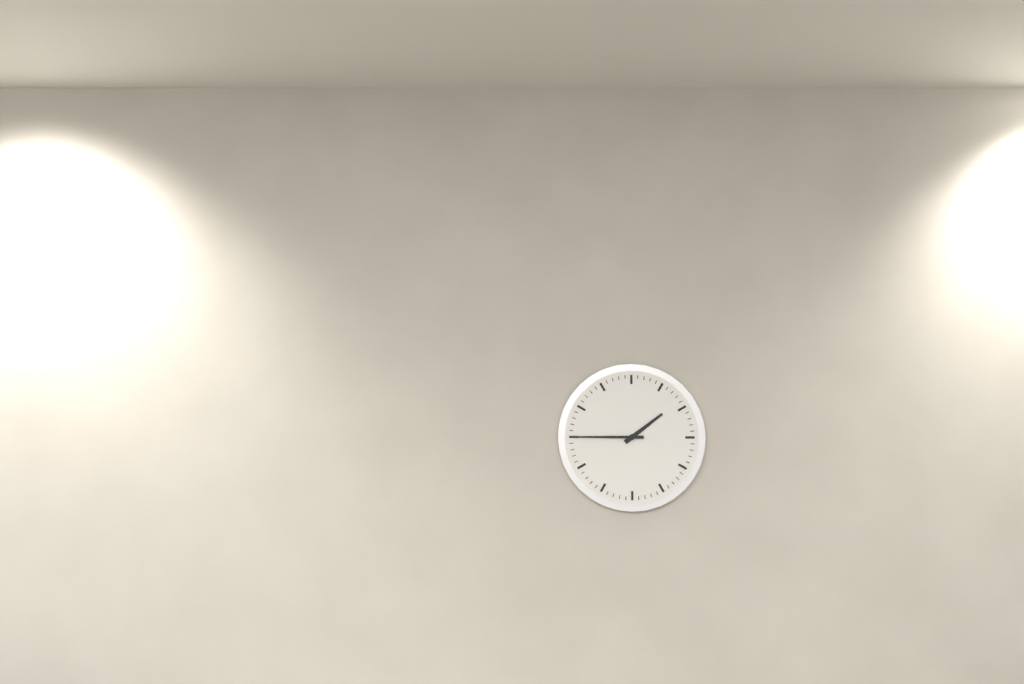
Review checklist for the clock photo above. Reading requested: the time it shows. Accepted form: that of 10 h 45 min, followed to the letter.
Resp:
1 h 45 min
